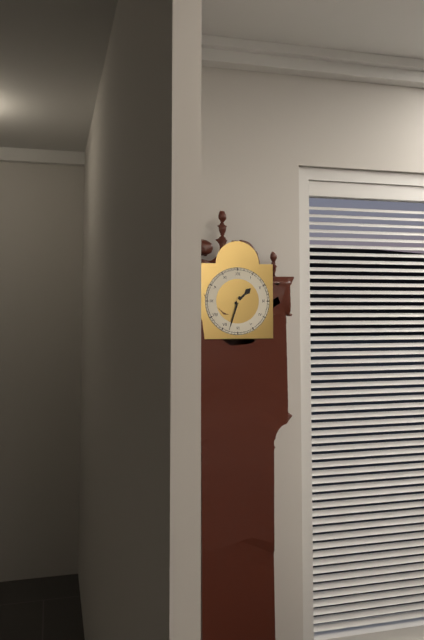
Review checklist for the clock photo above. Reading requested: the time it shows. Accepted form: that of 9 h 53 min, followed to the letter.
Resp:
1 h 33 min
